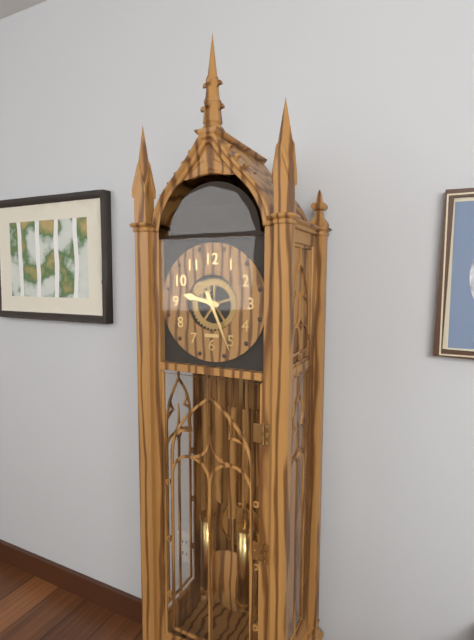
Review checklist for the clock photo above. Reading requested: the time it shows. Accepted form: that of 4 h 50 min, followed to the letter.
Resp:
9 h 26 min
